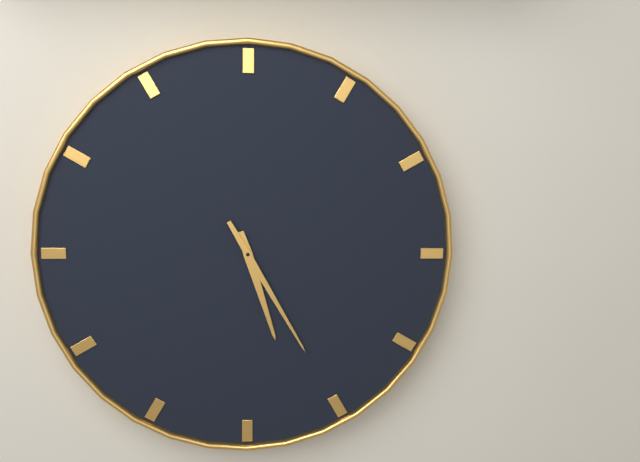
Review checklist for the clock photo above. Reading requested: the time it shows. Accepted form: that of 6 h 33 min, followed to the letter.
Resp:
5 h 25 min
